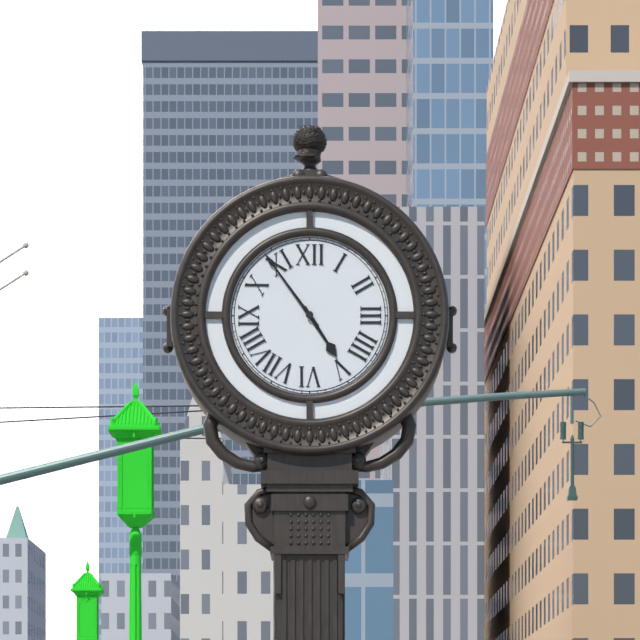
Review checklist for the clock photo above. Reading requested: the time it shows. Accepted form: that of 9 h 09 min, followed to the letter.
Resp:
4 h 54 min
